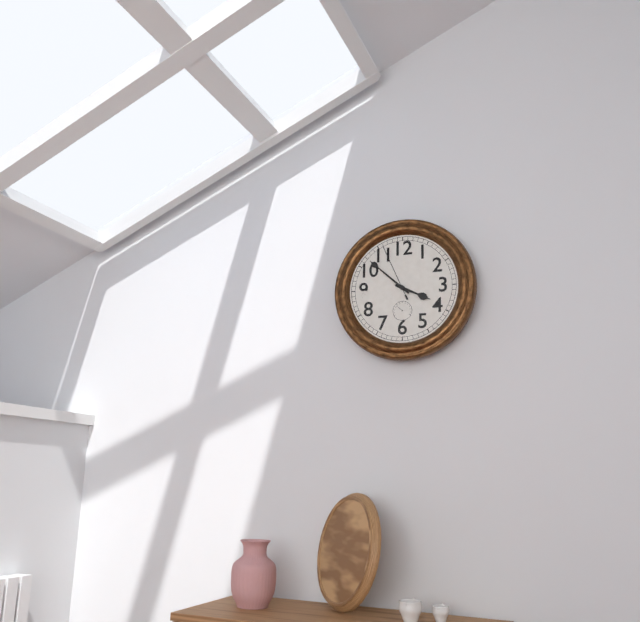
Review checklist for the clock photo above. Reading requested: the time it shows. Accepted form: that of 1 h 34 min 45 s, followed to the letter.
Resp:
3 h 52 min 56 s
